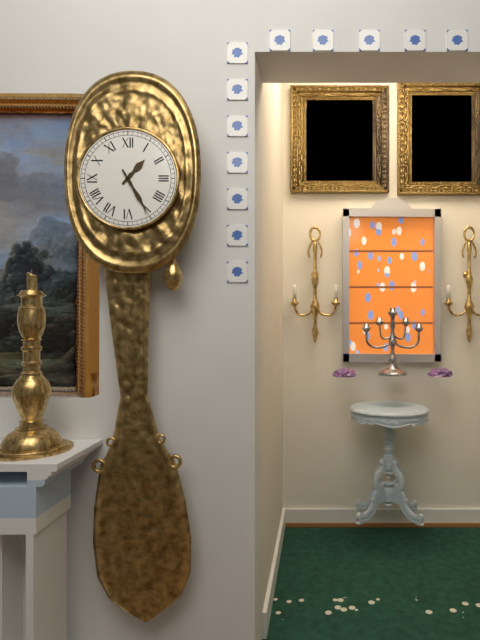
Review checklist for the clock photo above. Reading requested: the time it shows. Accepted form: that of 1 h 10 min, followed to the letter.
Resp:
1 h 25 min
